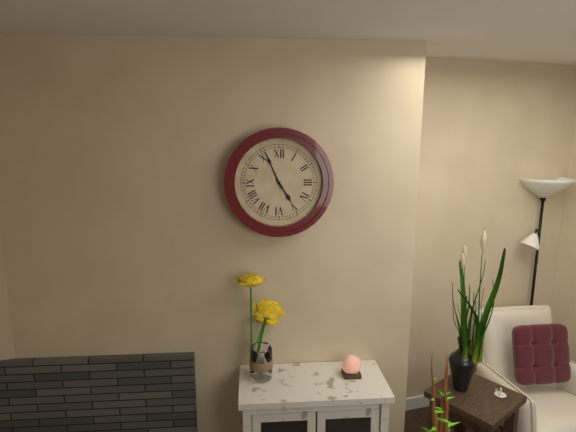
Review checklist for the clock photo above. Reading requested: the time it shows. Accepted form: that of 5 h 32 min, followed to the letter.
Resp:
4 h 56 min
